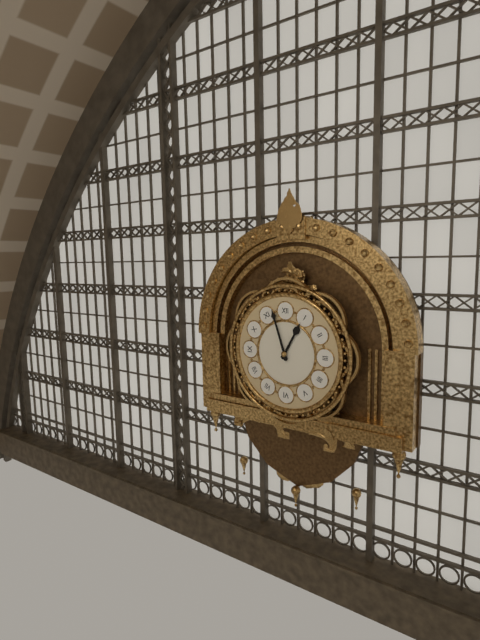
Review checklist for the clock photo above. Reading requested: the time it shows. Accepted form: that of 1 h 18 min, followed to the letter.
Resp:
12 h 57 min
